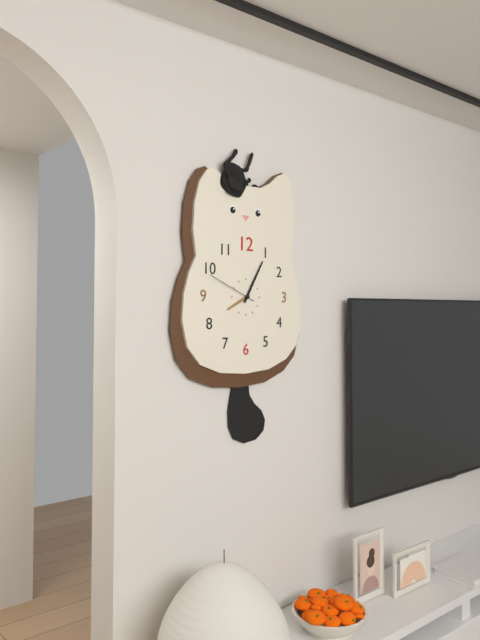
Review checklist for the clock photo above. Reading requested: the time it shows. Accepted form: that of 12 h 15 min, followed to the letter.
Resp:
8 h 05 min
